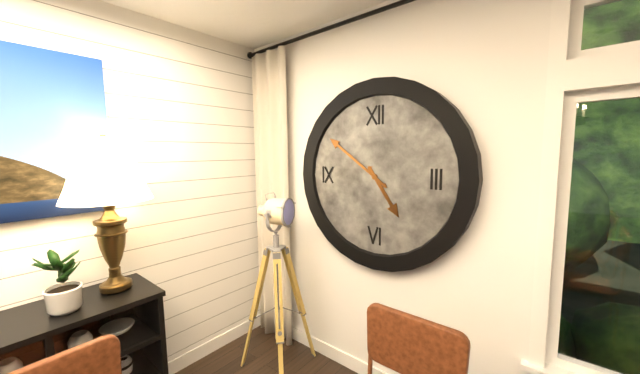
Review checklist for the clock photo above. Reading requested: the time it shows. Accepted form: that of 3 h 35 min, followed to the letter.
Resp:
4 h 51 min
